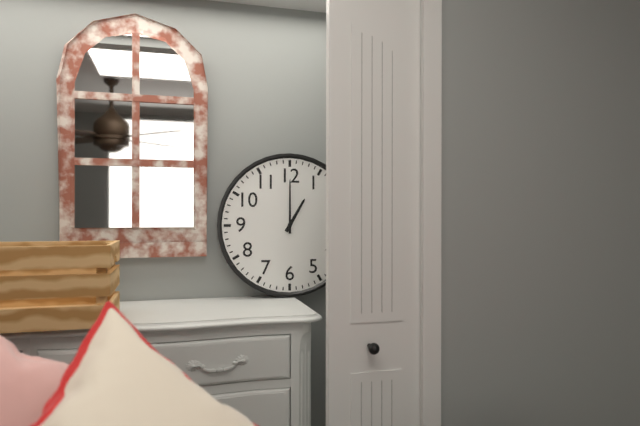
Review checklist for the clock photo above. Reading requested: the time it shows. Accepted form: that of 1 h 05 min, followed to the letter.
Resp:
1 h 00 min
